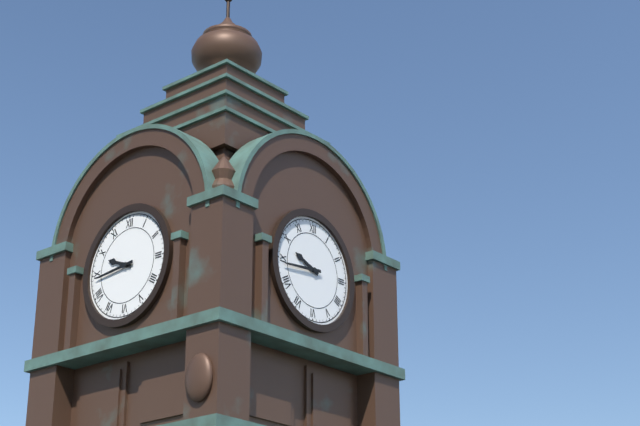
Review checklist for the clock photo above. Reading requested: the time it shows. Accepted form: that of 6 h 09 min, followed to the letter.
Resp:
9 h 44 min
